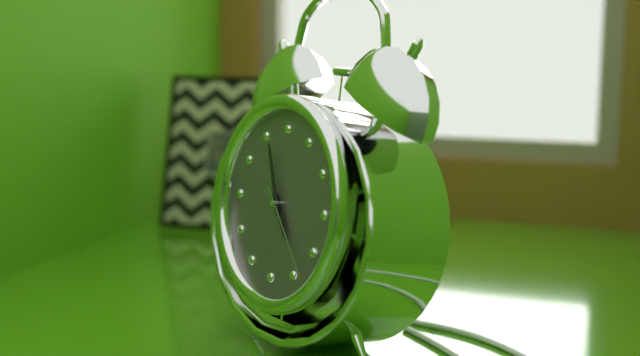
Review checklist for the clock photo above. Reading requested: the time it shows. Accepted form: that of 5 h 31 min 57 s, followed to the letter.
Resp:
4 h 56 min 23 s
